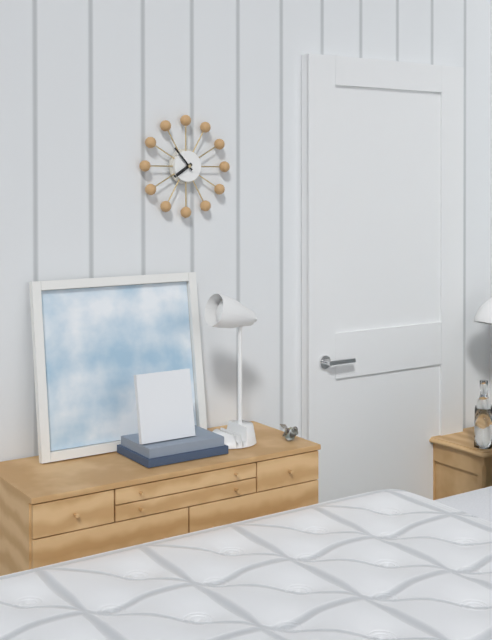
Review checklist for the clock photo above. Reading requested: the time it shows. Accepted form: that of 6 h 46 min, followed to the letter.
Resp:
7 h 53 min
